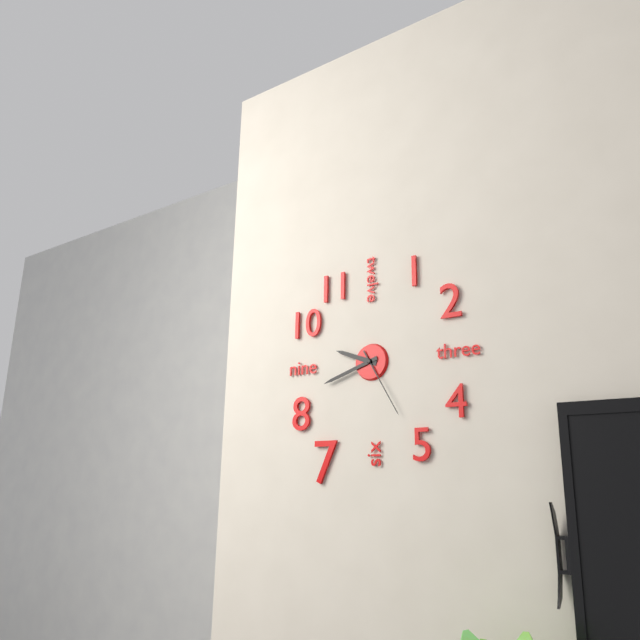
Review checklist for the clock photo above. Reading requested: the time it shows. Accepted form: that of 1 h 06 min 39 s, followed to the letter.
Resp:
9 h 42 min 25 s
